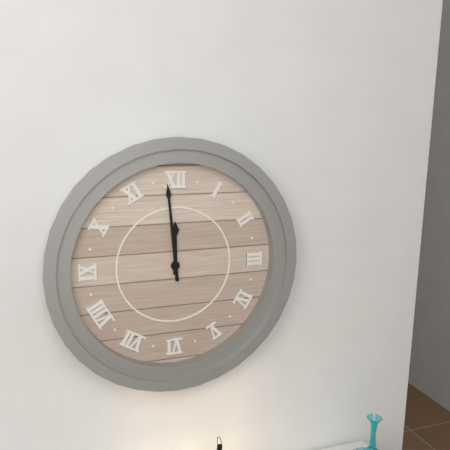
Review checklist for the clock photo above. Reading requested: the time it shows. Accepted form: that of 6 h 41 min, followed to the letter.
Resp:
11 h 59 min
